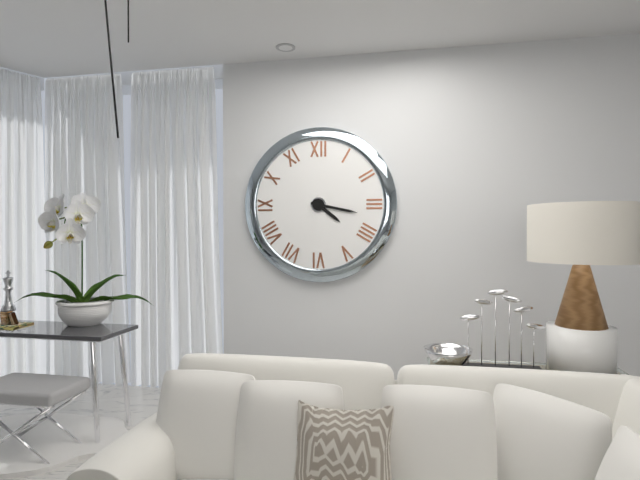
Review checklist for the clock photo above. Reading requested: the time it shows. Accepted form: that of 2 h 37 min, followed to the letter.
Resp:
4 h 17 min
